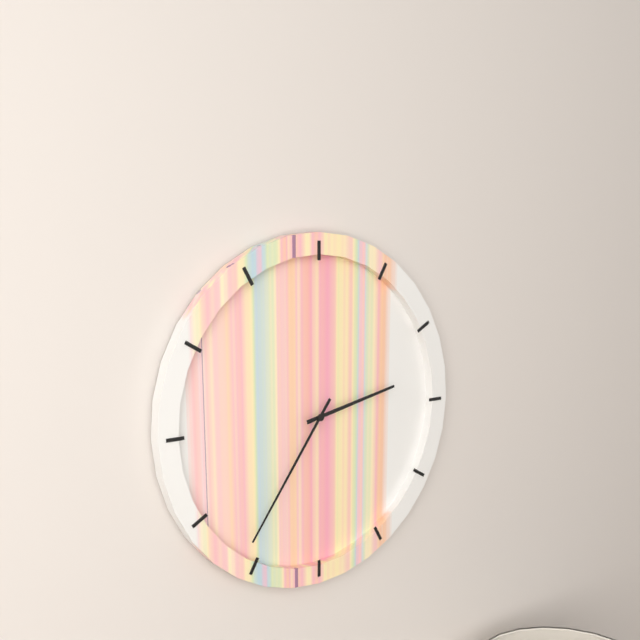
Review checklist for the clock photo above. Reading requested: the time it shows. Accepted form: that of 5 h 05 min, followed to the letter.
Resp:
2 h 36 min
